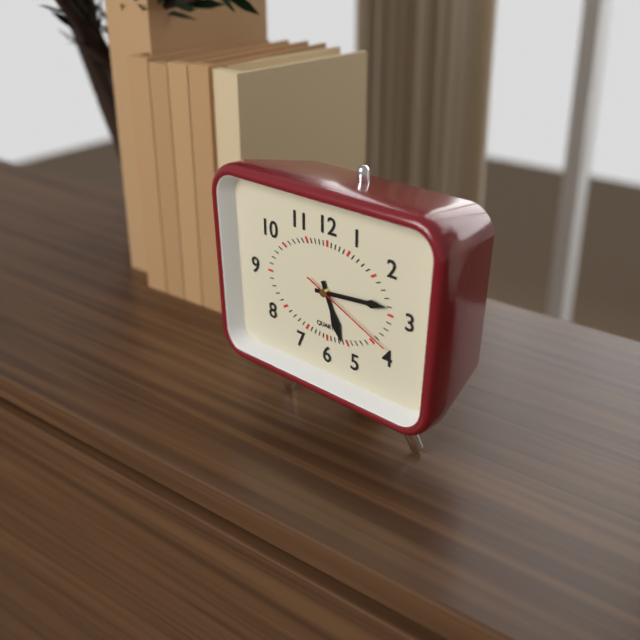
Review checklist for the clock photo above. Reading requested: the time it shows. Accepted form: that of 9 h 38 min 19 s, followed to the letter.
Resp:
5 h 14 min 19 s
